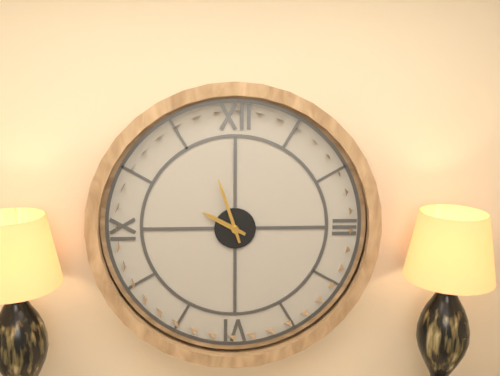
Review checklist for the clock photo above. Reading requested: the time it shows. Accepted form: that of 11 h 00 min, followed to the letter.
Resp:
9 h 57 min
